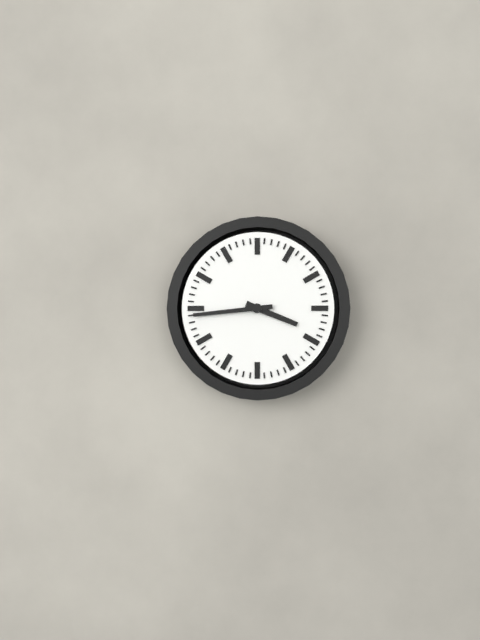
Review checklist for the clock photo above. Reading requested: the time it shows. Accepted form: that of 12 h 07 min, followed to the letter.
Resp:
3 h 44 min
